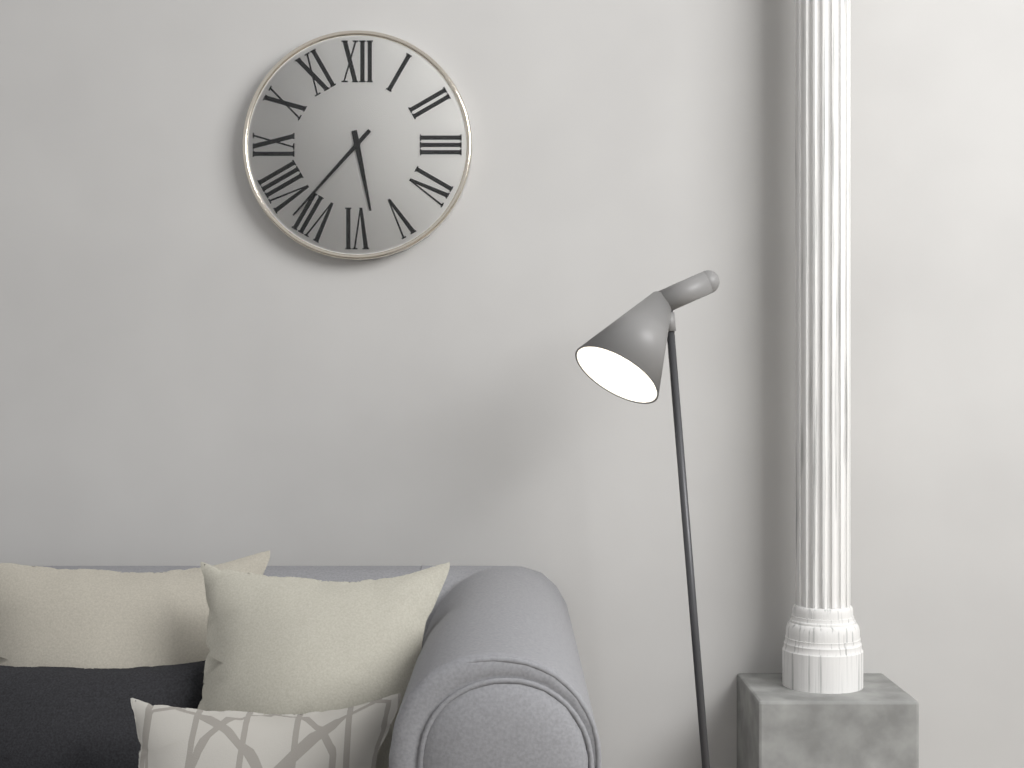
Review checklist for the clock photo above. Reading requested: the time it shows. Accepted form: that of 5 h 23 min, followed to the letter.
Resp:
5 h 37 min
